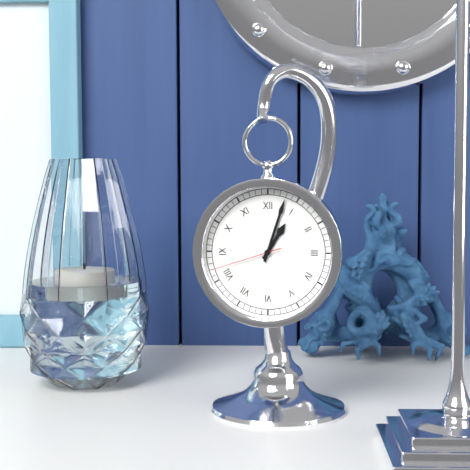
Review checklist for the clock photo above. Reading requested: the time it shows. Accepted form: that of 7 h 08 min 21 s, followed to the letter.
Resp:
1 h 03 min 42 s
